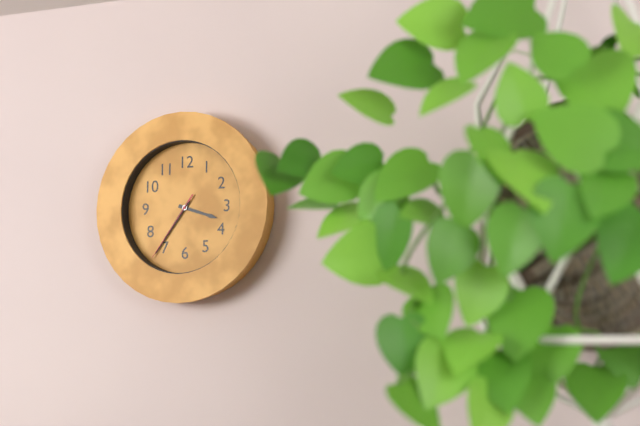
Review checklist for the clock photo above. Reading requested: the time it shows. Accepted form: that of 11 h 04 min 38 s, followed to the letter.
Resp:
3 h 36 min 36 s
